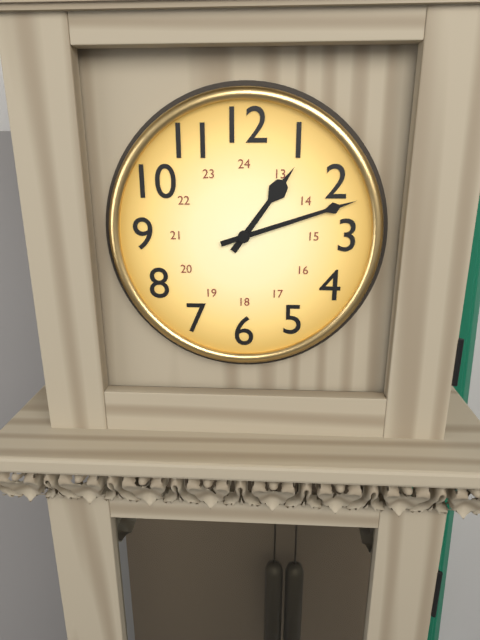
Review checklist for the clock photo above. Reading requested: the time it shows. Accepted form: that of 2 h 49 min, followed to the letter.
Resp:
1 h 12 min
